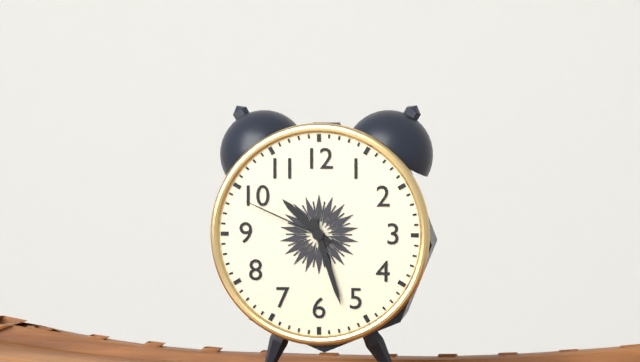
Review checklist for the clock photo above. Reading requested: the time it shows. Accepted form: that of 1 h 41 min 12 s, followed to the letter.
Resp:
10 h 27 min 49 s
